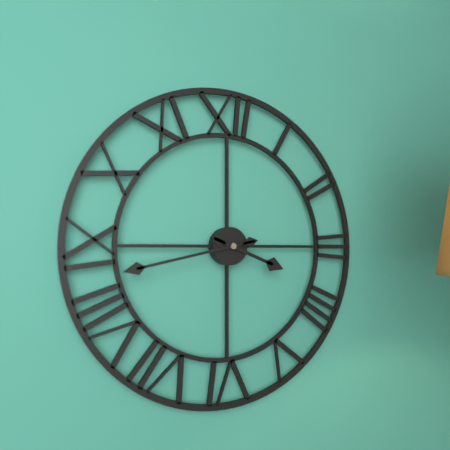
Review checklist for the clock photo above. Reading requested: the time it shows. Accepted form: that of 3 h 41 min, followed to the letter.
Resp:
3 h 43 min
